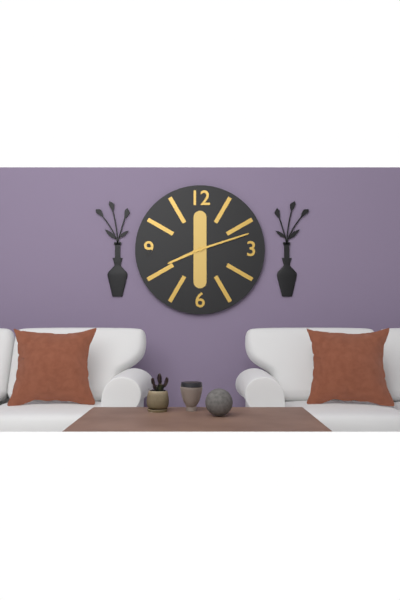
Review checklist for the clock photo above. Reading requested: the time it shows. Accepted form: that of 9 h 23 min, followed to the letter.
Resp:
8 h 12 min
